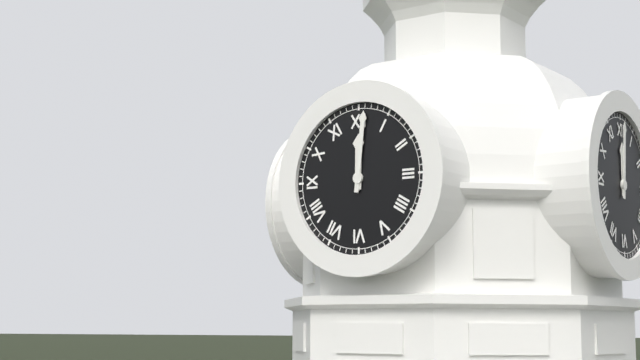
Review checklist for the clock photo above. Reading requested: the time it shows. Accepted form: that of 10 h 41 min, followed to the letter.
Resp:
12 h 01 min
